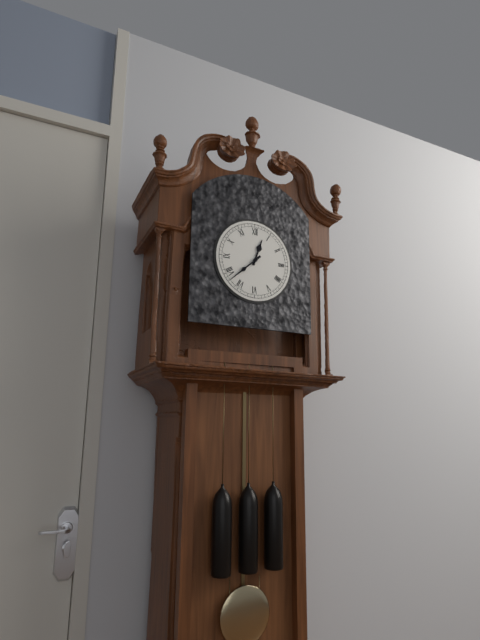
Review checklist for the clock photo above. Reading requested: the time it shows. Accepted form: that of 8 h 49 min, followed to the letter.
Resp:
12 h 38 min
